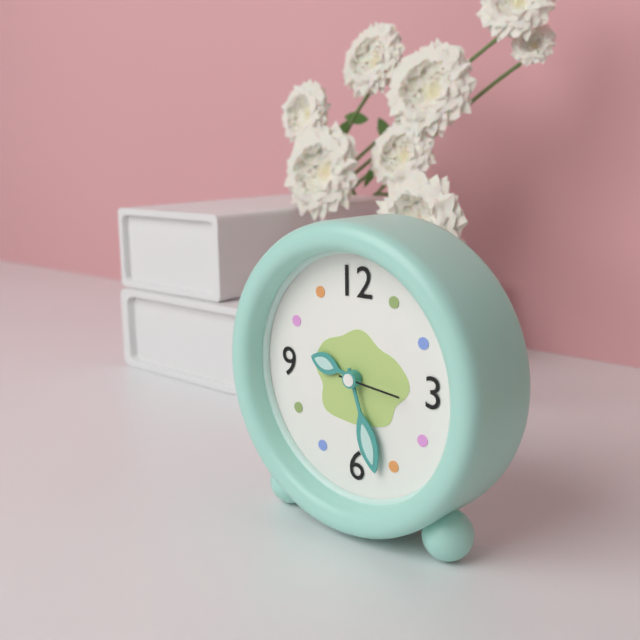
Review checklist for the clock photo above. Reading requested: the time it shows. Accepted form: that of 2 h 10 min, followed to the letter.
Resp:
9 h 27 min
